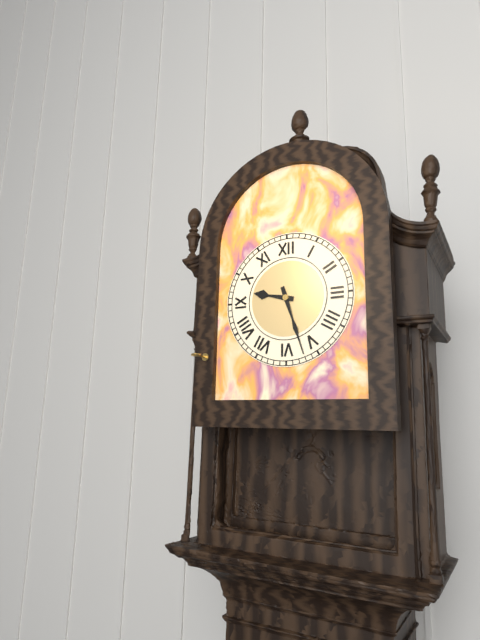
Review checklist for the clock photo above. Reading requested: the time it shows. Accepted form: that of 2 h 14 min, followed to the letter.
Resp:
9 h 27 min
